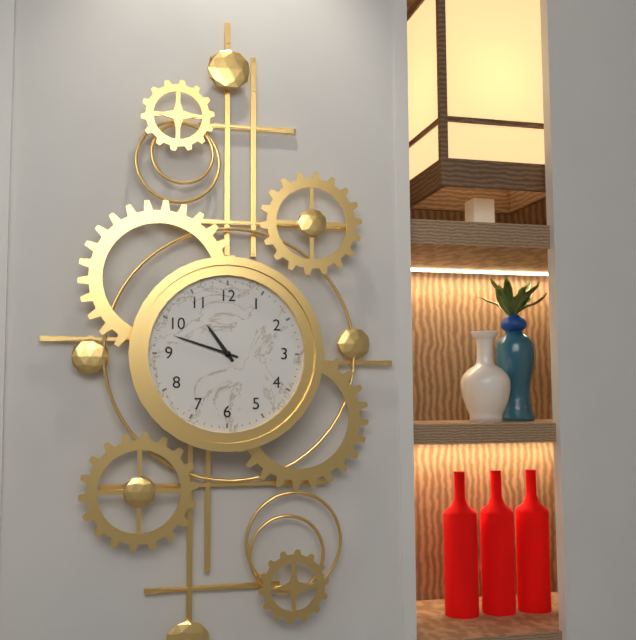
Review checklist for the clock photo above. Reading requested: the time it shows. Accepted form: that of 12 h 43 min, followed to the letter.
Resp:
10 h 48 min
